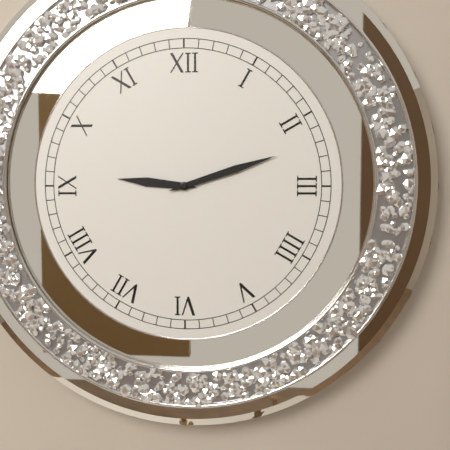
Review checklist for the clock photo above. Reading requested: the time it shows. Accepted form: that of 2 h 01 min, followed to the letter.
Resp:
9 h 12 min
